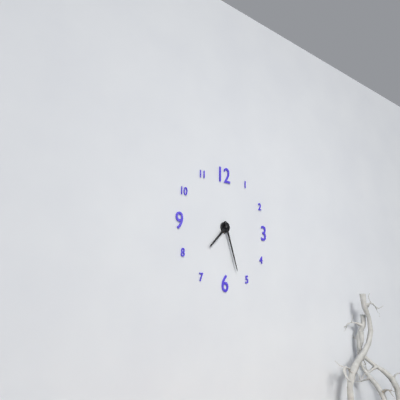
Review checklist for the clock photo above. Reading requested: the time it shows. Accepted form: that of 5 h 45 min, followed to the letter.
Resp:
7 h 27 min
